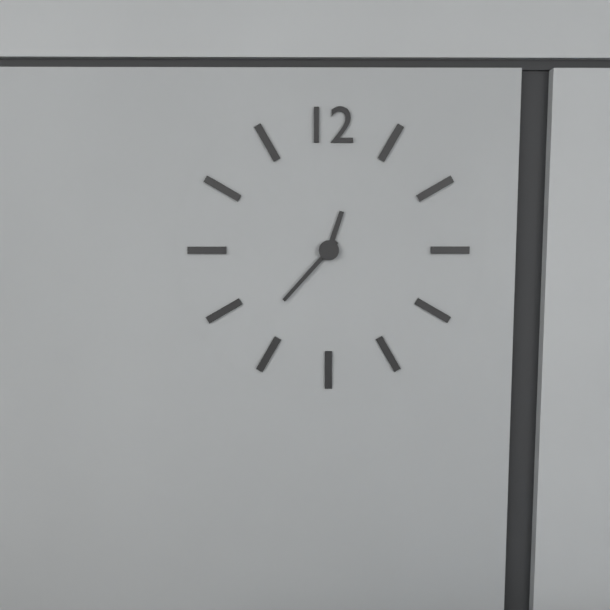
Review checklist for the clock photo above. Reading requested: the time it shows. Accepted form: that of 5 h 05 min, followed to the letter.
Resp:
12 h 37 min
